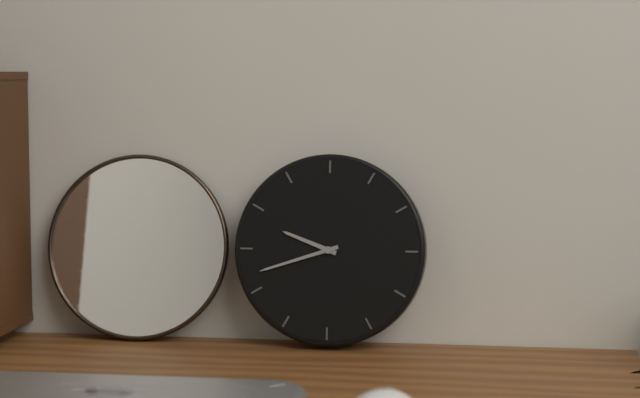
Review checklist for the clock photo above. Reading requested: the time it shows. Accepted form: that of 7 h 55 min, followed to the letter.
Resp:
9 h 42 min
